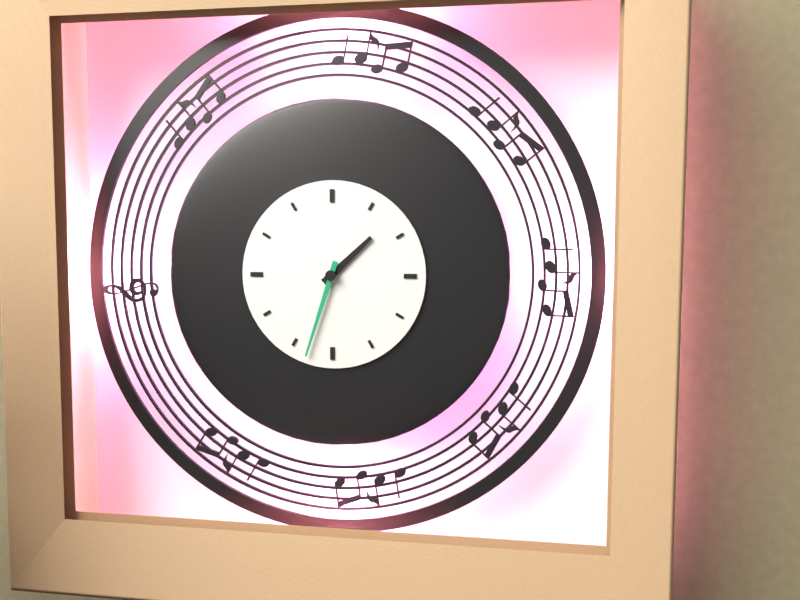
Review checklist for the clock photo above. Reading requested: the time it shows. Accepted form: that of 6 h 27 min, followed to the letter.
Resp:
1 h 33 min
